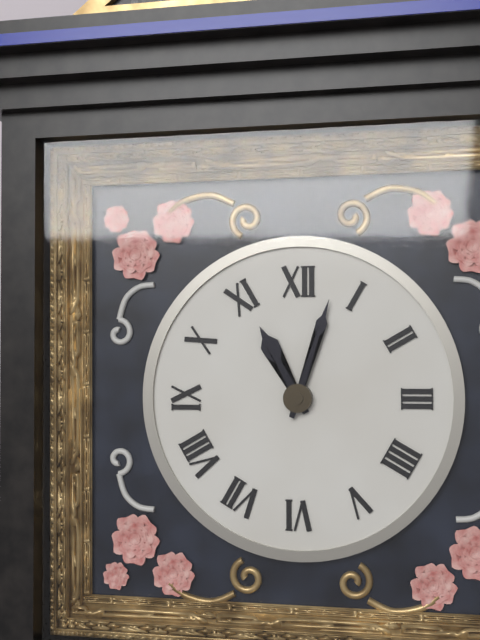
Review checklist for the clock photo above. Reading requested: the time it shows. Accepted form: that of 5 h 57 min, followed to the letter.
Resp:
11 h 03 min
